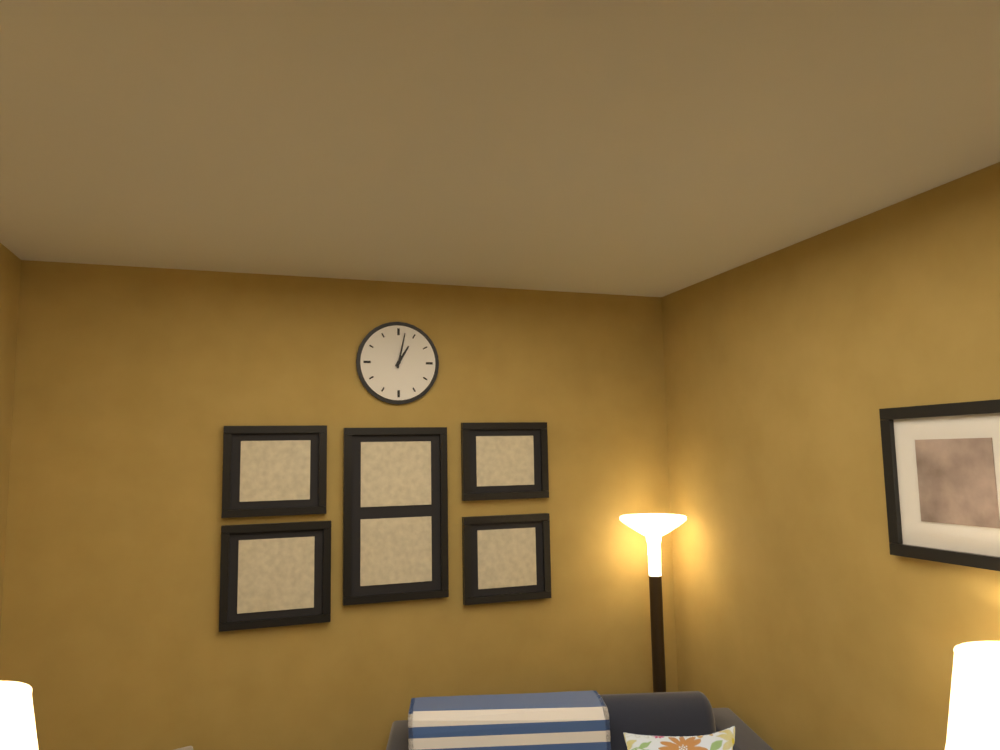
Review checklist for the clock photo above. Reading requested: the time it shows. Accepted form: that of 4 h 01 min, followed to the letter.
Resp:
1 h 02 min
